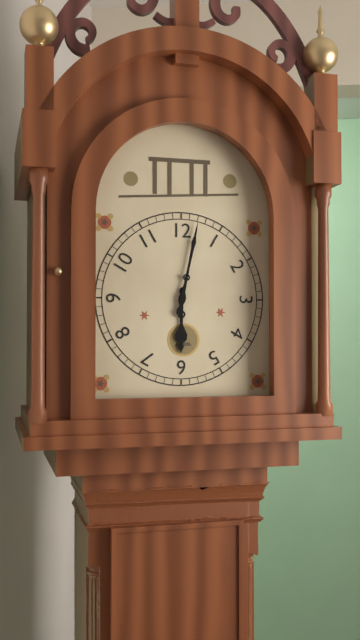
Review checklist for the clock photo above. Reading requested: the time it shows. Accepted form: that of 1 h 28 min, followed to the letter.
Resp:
6 h 02 min
